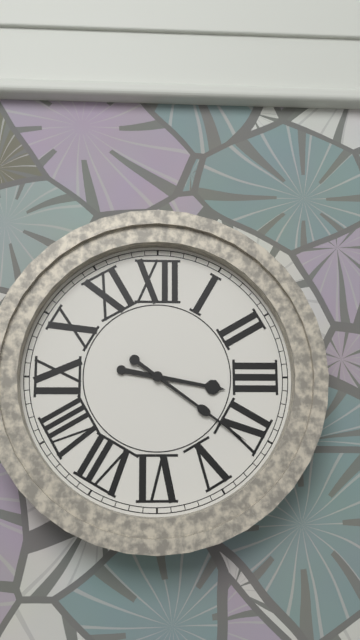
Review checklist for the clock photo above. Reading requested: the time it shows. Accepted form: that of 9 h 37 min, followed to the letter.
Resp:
3 h 21 min
